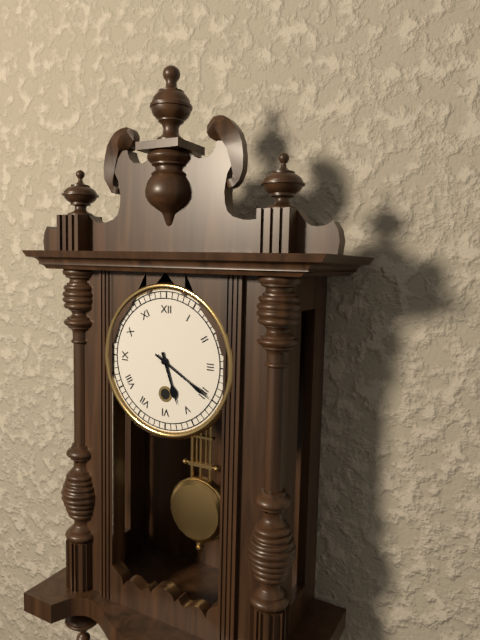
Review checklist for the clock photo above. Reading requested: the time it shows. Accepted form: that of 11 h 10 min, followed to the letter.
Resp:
5 h 20 min
